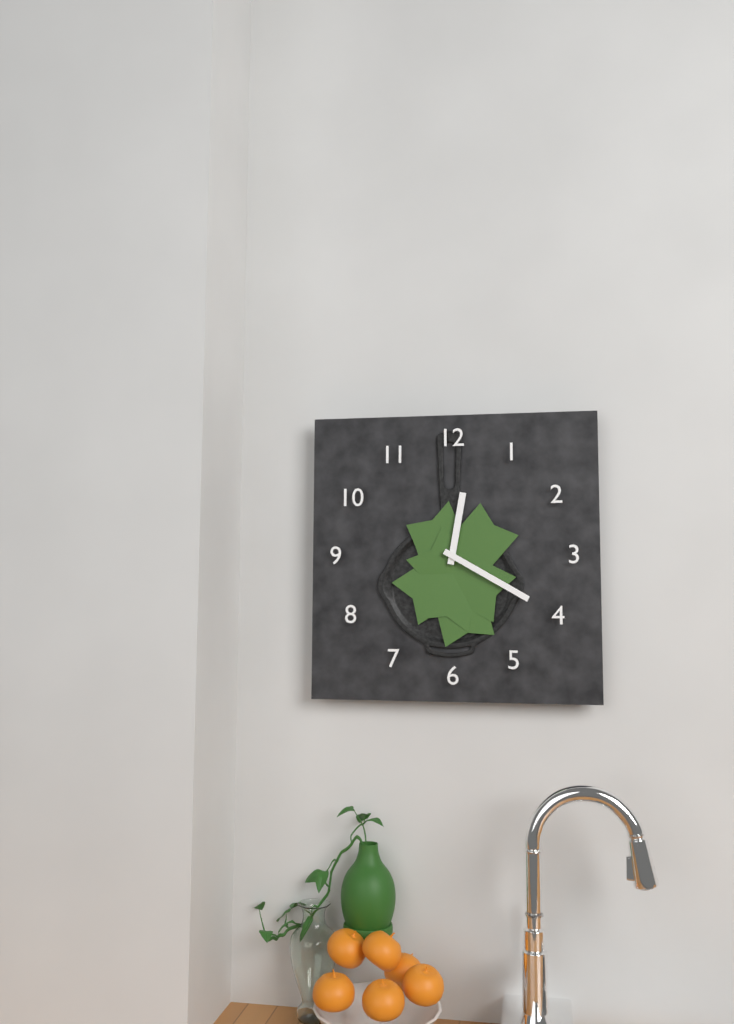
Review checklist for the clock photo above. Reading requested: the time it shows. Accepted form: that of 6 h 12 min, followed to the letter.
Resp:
12 h 20 min
